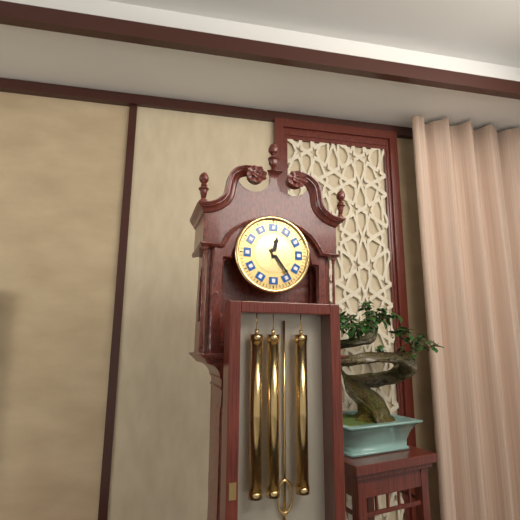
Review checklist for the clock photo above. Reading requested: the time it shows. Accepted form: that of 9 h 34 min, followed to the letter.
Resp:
12 h 24 min
